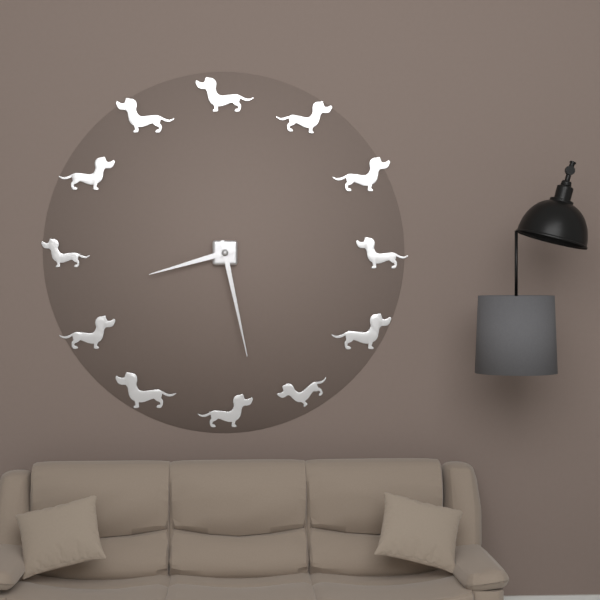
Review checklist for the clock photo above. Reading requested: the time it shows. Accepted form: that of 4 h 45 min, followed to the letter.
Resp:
8 h 28 min
